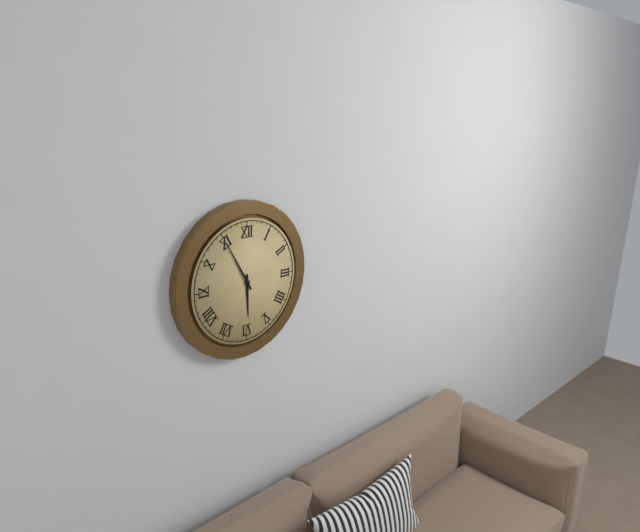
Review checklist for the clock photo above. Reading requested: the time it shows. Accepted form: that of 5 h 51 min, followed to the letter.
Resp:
5 h 55 min
